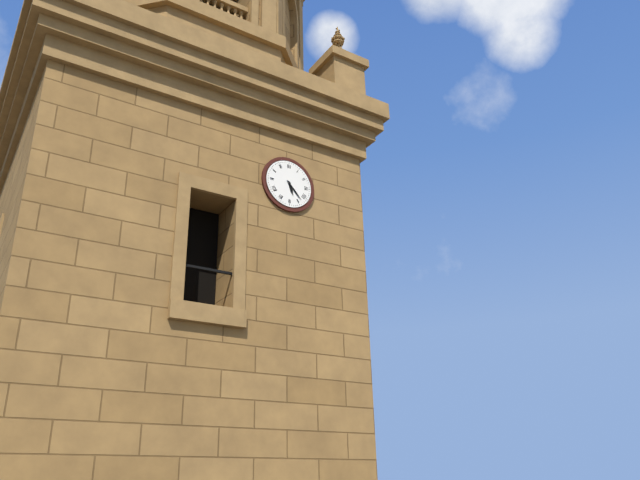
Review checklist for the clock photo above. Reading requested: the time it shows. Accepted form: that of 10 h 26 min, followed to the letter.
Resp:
5 h 23 min
